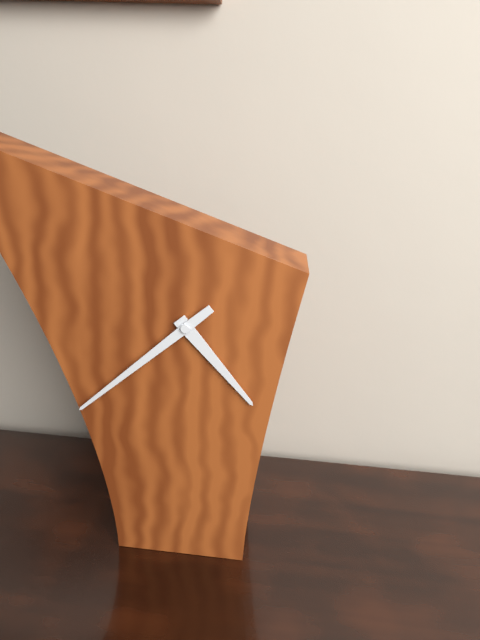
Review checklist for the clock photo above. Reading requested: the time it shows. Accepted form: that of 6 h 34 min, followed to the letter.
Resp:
4 h 38 min
